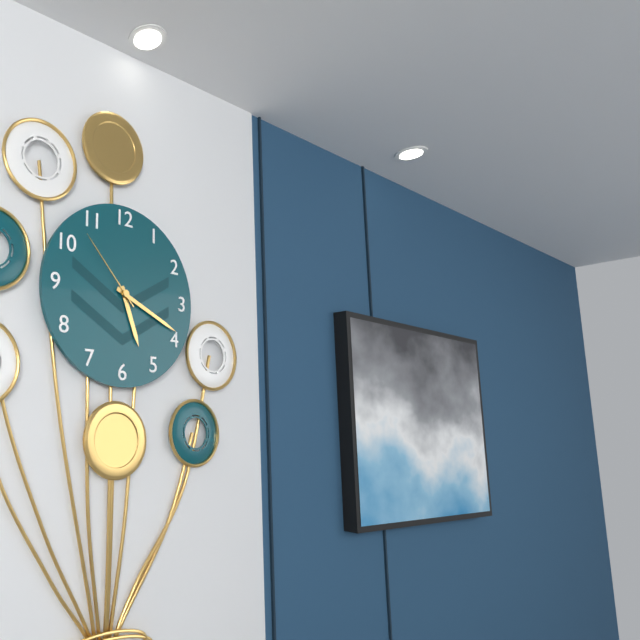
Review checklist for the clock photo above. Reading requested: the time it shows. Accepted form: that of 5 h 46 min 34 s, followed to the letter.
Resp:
5 h 19 min 53 s
